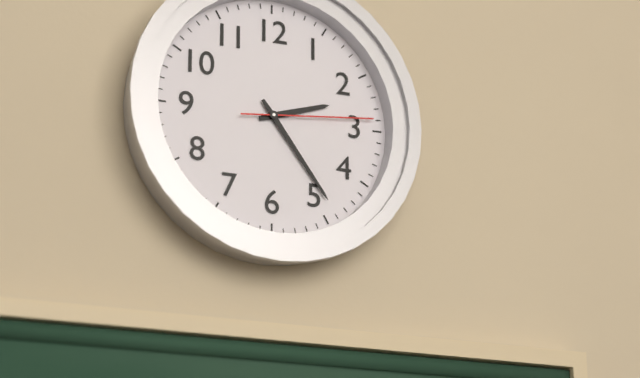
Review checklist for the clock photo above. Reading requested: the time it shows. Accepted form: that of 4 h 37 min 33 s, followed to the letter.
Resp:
2 h 24 min 14 s
